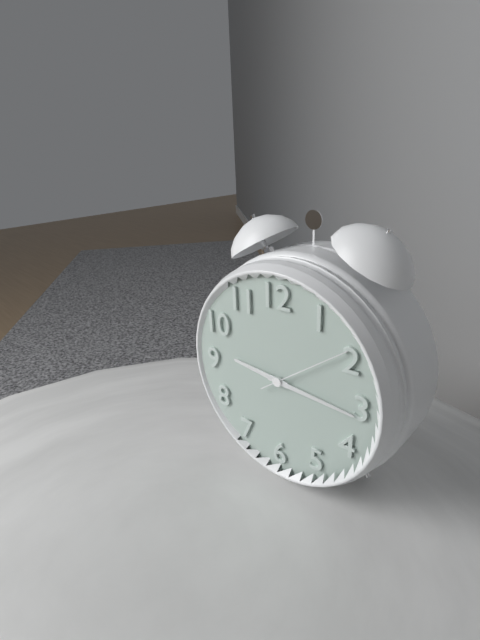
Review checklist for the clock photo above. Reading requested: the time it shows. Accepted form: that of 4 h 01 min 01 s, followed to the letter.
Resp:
9 h 16 min 09 s
